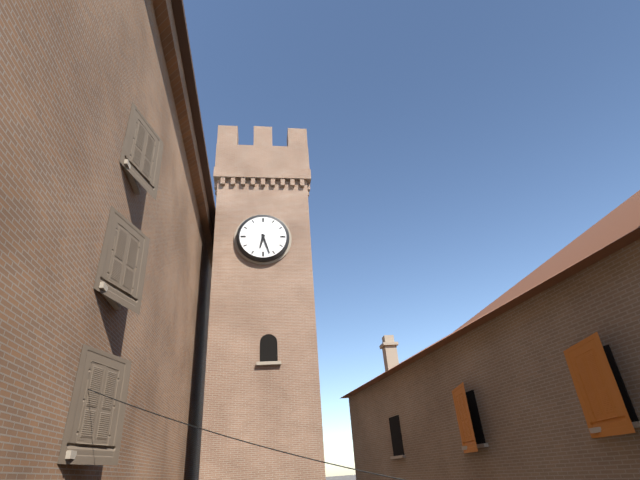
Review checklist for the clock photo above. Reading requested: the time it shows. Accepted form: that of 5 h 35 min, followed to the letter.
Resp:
6 h 27 min
